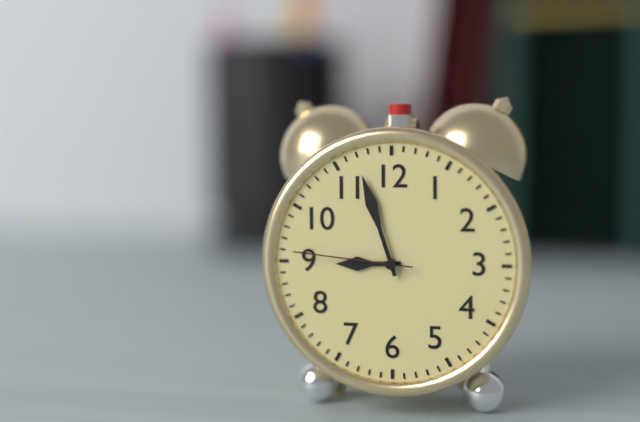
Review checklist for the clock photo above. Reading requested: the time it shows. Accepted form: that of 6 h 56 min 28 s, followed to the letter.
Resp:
8 h 57 min 46 s
